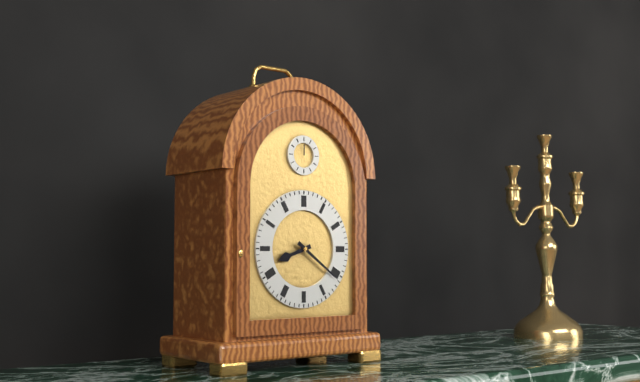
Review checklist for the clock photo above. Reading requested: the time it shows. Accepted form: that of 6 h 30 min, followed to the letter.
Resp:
8 h 21 min
